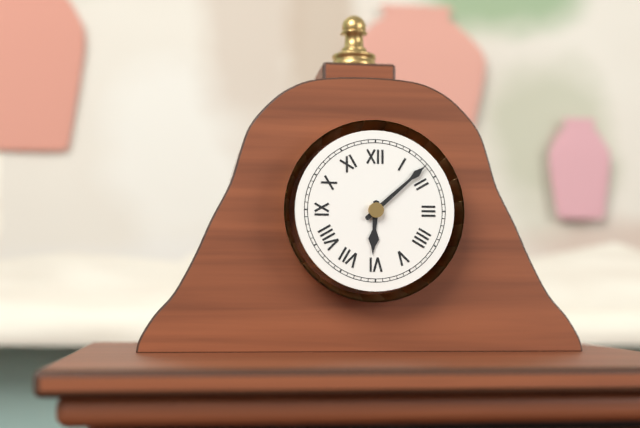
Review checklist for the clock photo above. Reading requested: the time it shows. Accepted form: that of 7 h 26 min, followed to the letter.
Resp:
6 h 08 min
